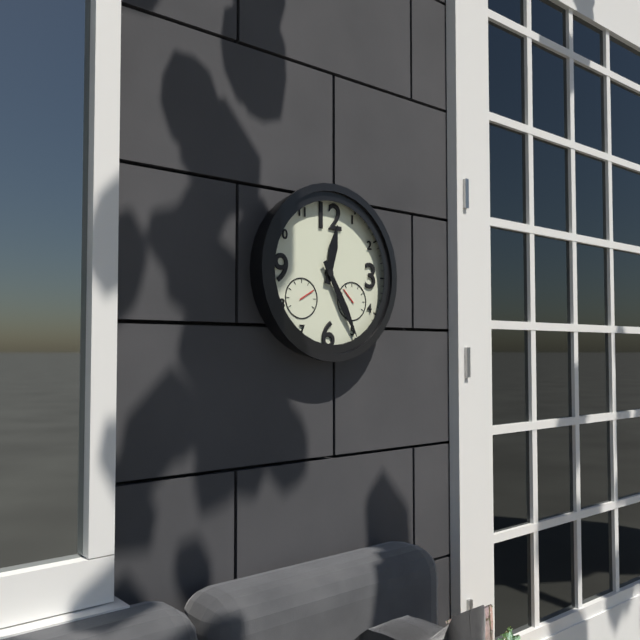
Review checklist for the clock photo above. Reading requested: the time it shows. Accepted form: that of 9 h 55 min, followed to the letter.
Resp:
12 h 25 min
